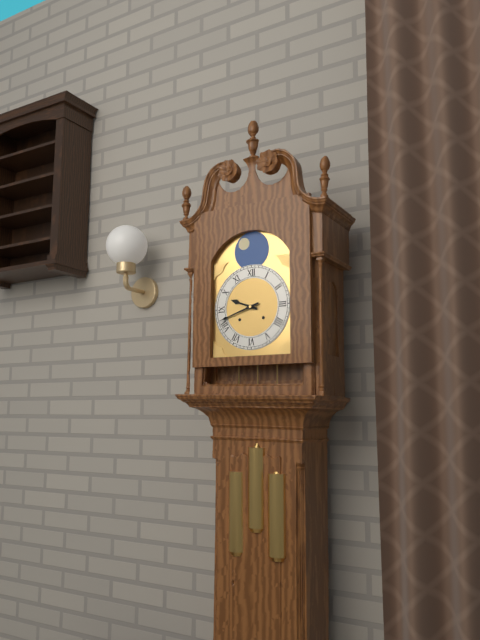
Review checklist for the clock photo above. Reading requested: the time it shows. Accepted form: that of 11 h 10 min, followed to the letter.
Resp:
9 h 42 min
